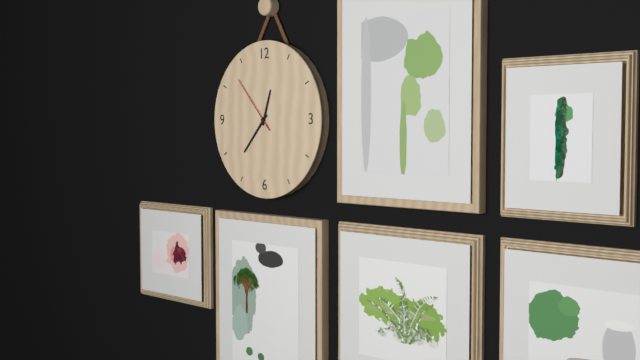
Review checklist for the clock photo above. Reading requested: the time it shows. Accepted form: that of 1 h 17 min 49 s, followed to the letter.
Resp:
12 h 37 min 53 s
